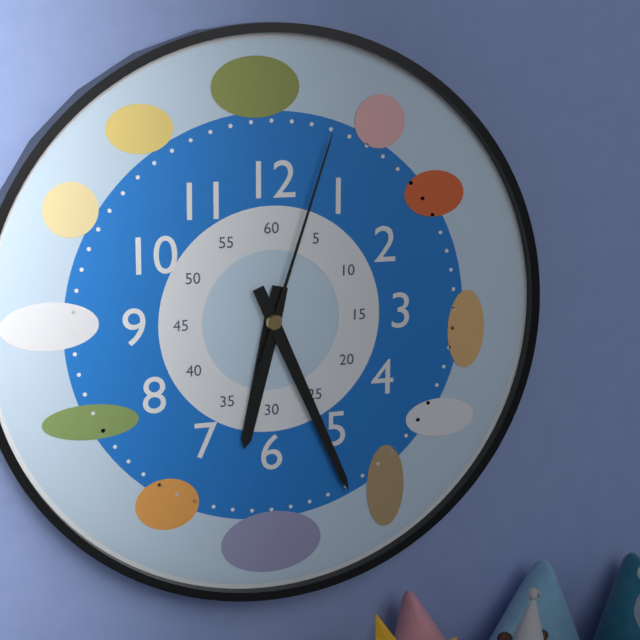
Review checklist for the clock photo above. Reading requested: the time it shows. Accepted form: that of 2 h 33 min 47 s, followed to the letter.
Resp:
6 h 26 min 03 s
